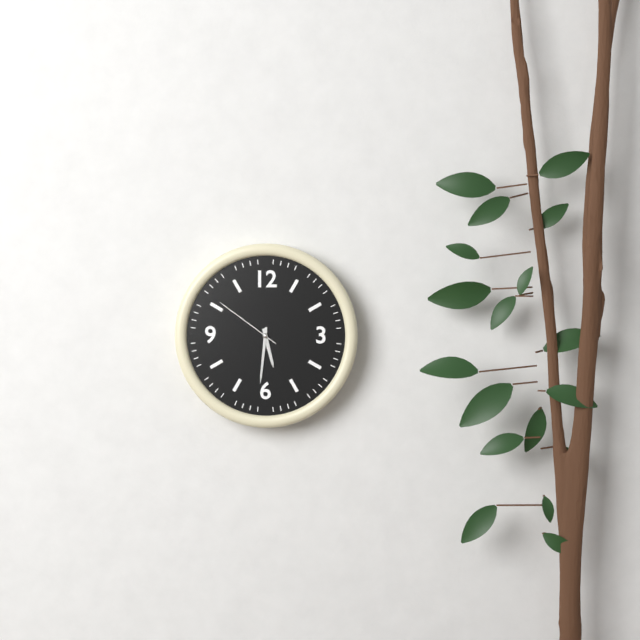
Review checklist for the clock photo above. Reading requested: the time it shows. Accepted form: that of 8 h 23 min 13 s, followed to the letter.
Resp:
5 h 31 min 51 s
